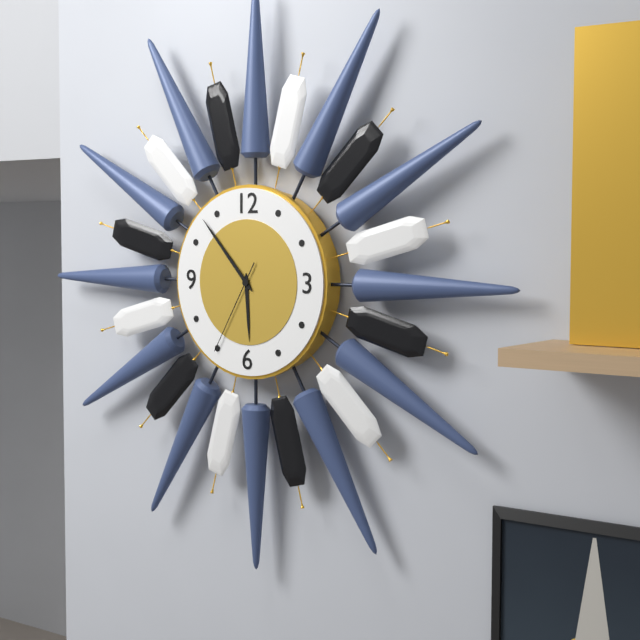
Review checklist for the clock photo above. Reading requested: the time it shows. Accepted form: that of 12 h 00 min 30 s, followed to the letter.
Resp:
5 h 53 min 35 s
